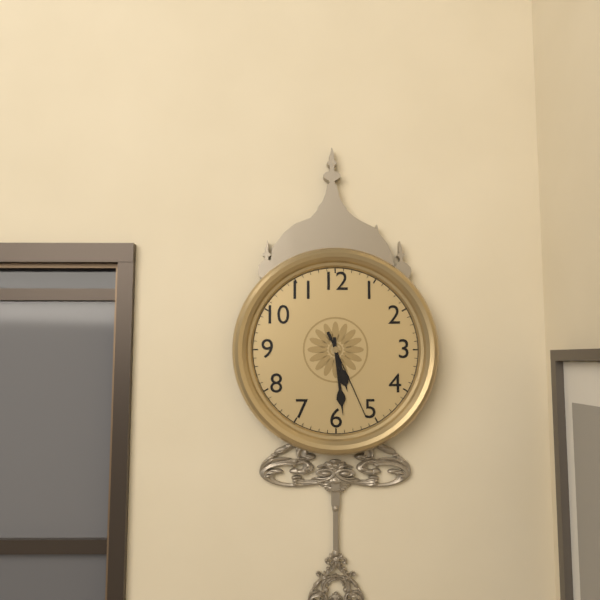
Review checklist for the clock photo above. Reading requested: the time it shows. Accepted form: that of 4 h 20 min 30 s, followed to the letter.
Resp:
5 h 29 min 26 s
